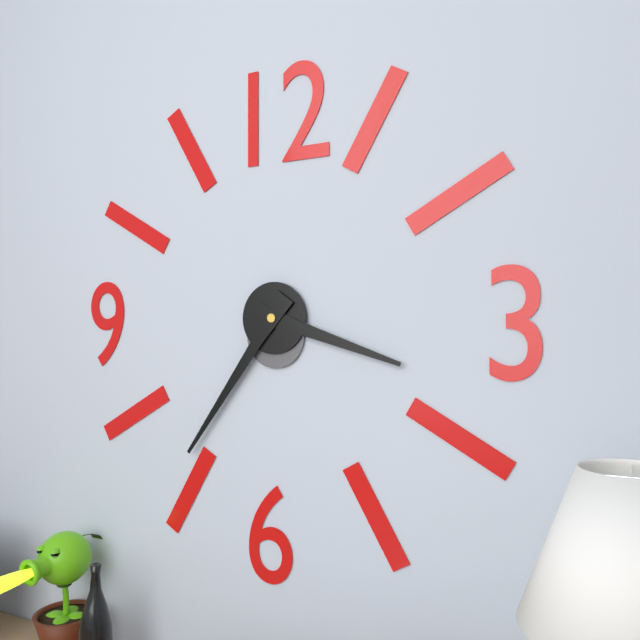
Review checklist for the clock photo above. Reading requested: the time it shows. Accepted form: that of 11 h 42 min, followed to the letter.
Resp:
3 h 36 min
